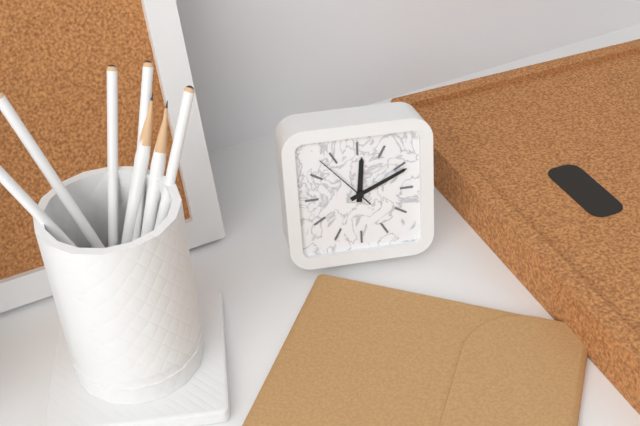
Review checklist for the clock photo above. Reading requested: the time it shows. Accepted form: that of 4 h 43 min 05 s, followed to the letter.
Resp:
12 h 11 min 53 s
